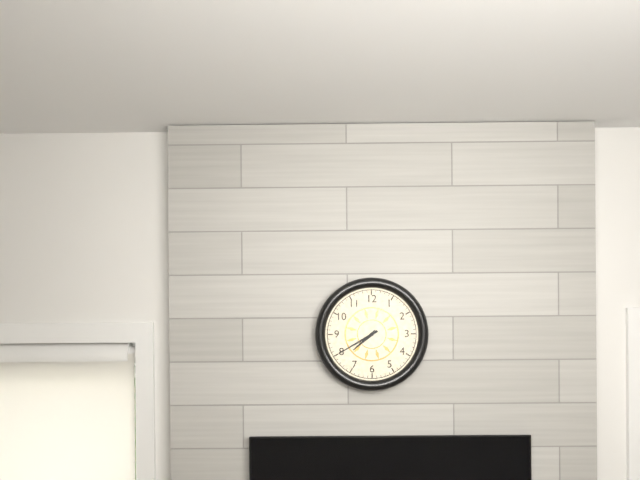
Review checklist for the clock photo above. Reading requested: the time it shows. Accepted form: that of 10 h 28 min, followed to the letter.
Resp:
7 h 40 min
